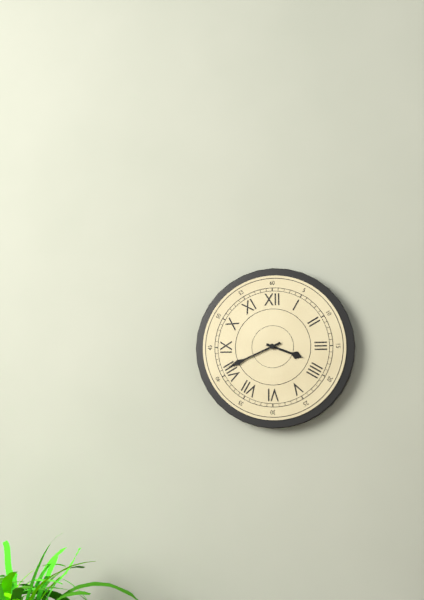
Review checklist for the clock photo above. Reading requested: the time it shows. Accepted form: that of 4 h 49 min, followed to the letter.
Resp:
3 h 41 min
